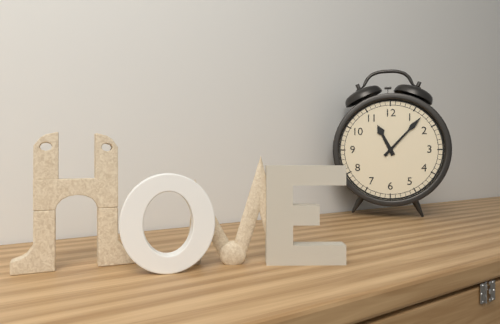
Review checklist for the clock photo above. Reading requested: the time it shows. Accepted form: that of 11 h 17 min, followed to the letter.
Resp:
11 h 07 min
